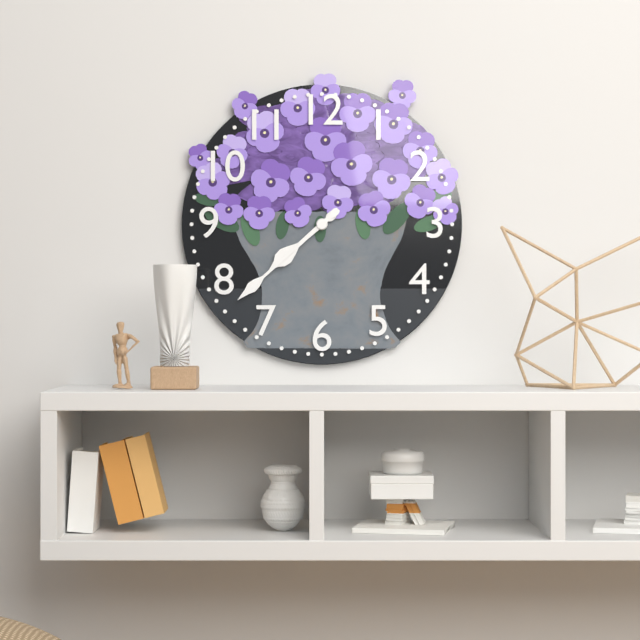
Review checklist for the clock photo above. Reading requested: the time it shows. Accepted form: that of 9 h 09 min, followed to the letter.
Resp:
7 h 38 min
